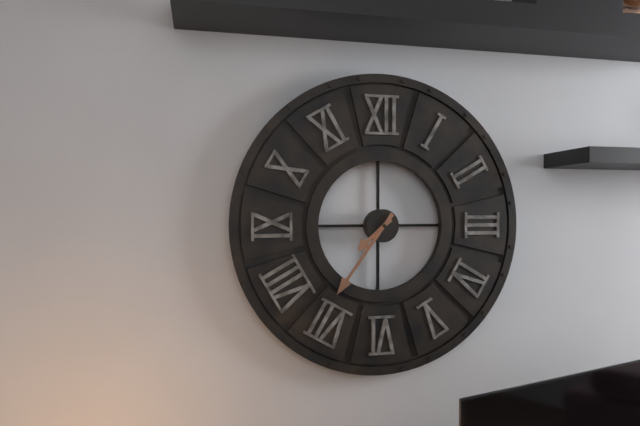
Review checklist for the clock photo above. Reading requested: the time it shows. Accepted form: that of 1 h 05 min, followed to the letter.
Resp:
7 h 36 min
